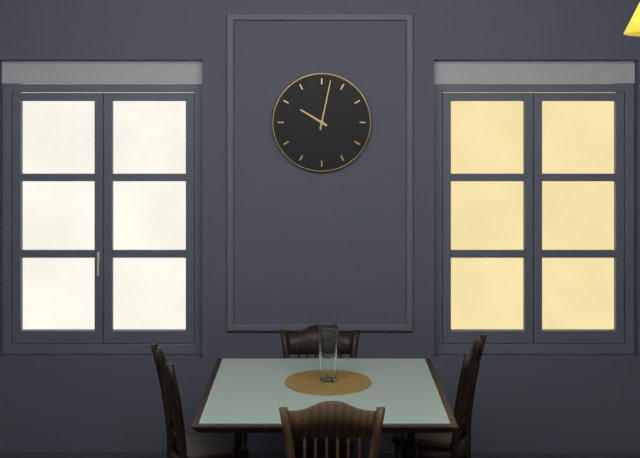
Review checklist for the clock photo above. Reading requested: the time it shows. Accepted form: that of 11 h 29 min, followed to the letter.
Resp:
10 h 02 min
